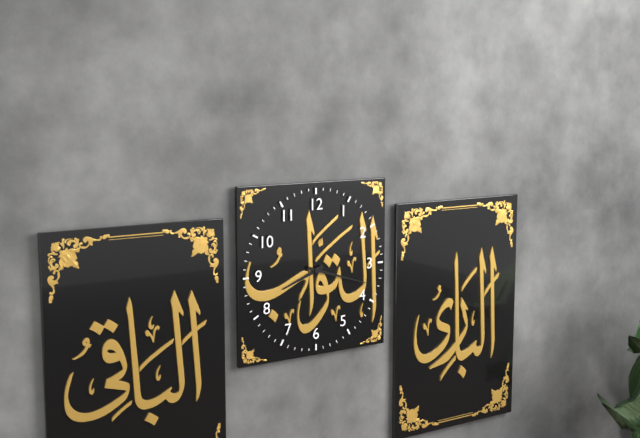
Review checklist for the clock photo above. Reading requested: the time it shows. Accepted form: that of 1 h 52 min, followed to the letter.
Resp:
8 h 18 min
